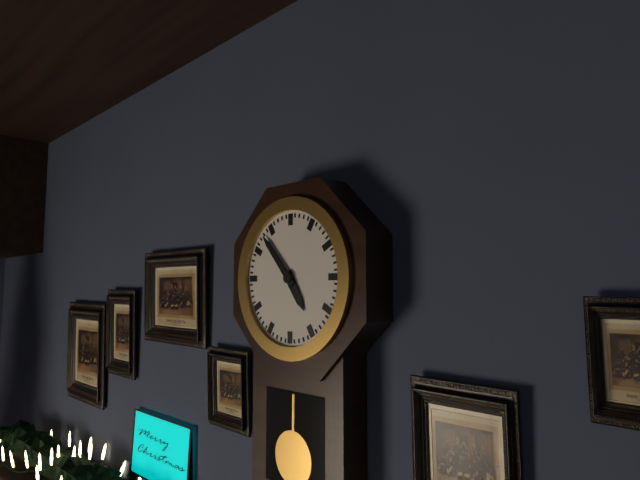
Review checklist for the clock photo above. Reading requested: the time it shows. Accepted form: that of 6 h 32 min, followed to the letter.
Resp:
4 h 53 min
